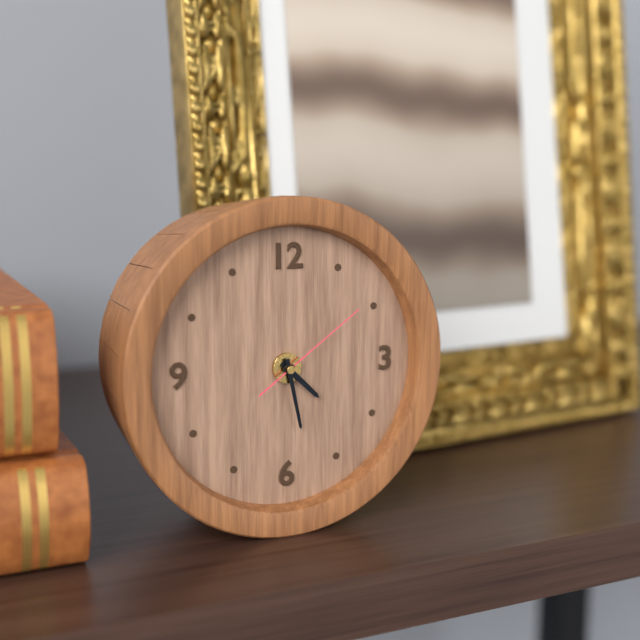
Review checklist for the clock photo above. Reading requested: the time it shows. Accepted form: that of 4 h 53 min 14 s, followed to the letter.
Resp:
4 h 28 min 09 s
